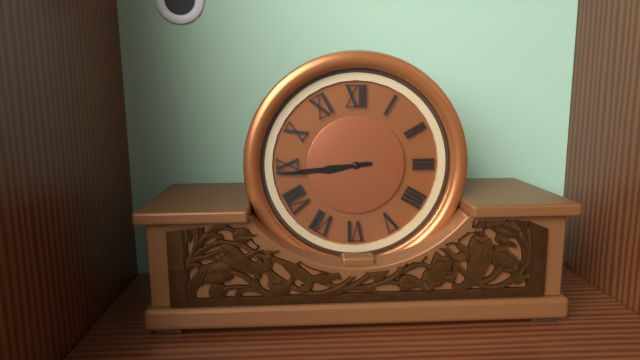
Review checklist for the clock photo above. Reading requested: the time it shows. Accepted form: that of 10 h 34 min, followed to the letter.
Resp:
8 h 44 min
